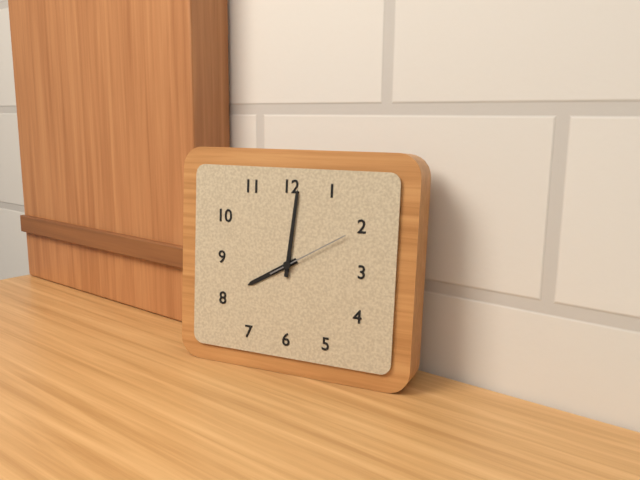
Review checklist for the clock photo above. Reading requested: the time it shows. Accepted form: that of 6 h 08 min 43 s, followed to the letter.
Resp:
8 h 01 min 10 s
